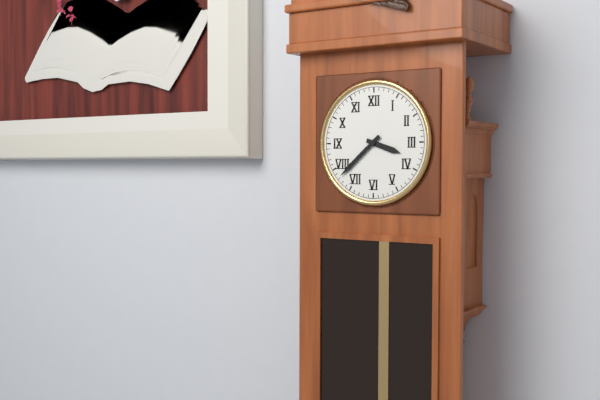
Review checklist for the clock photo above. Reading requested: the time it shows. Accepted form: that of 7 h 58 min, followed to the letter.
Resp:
3 h 38 min
